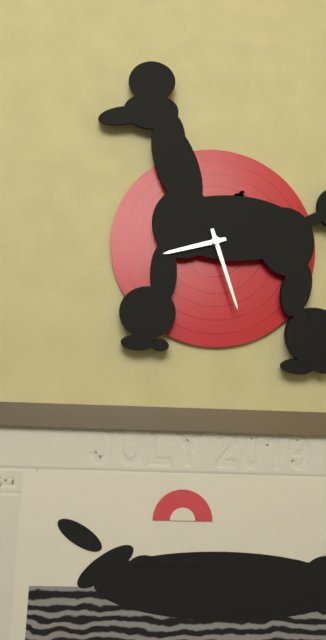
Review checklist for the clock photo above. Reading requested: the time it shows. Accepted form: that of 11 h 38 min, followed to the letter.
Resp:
8 h 27 min
